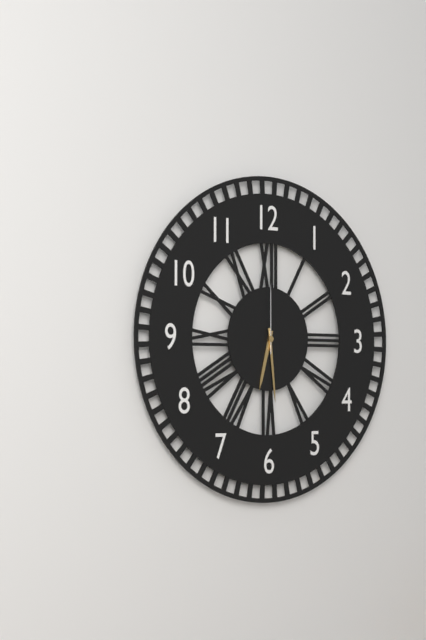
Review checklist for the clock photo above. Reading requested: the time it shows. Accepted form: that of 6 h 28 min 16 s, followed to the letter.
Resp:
6 h 29 min 00 s
